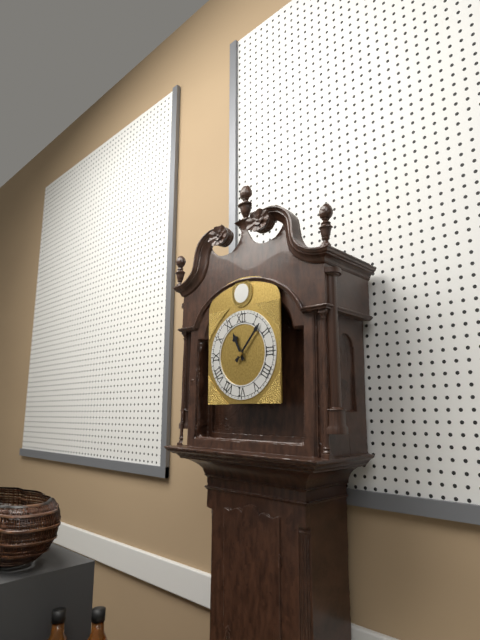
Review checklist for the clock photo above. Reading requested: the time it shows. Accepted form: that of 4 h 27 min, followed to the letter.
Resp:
11 h 07 min
